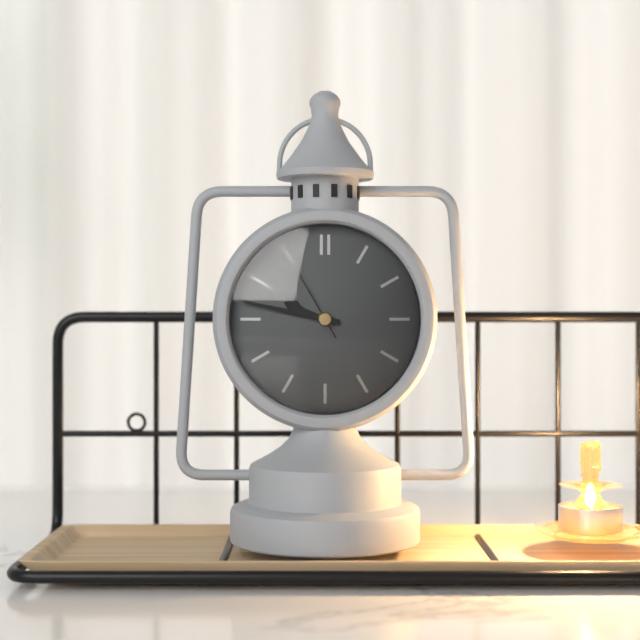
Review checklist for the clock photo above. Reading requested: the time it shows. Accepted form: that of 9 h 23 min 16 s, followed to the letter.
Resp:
9 h 47 min 55 s
